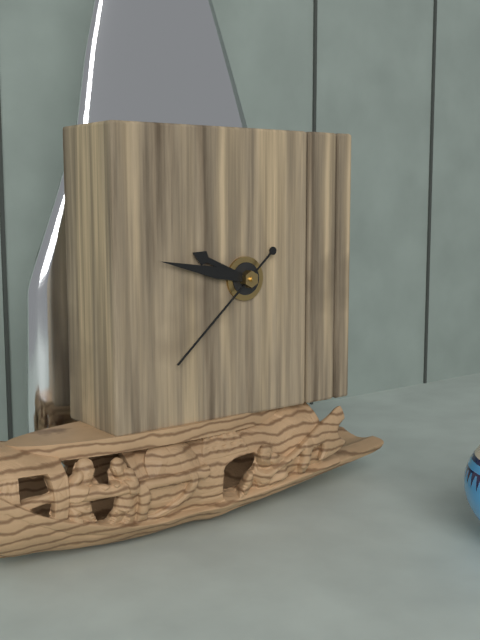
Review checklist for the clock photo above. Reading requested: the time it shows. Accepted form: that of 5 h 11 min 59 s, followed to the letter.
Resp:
9 h 47 min 38 s
